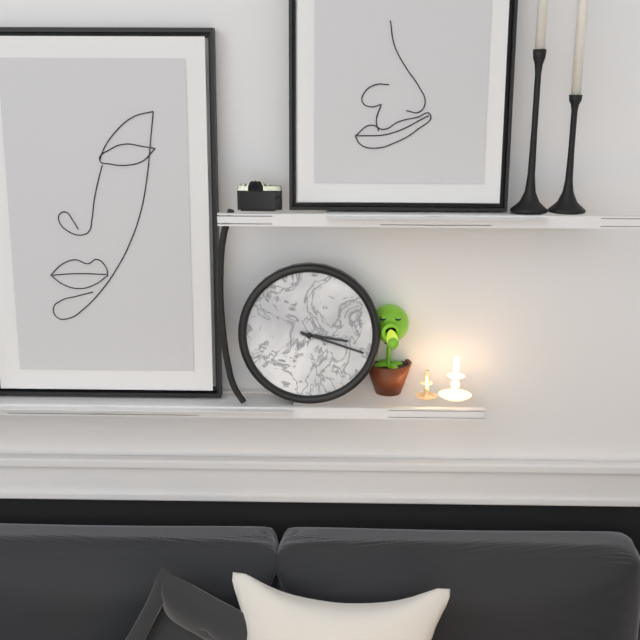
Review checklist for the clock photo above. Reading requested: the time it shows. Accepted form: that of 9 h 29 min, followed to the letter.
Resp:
3 h 18 min
